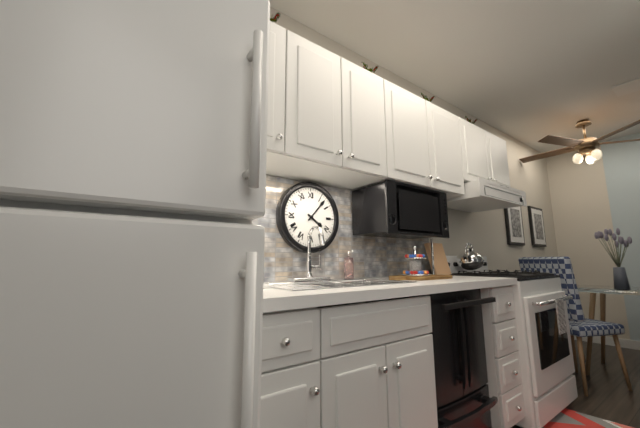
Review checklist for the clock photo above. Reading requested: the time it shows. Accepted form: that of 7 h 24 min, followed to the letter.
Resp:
4 h 07 min
